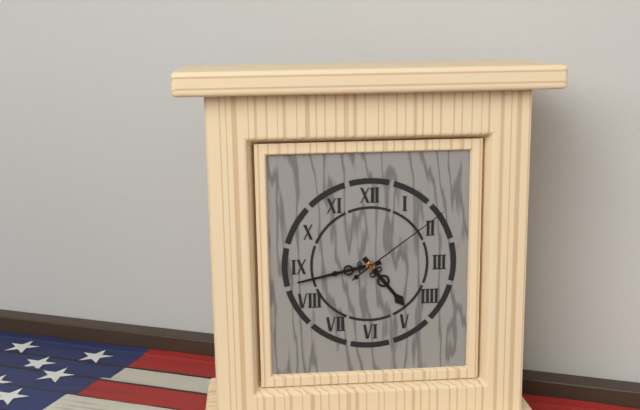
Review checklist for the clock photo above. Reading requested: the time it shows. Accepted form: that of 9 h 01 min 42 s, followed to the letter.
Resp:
4 h 43 min 09 s
